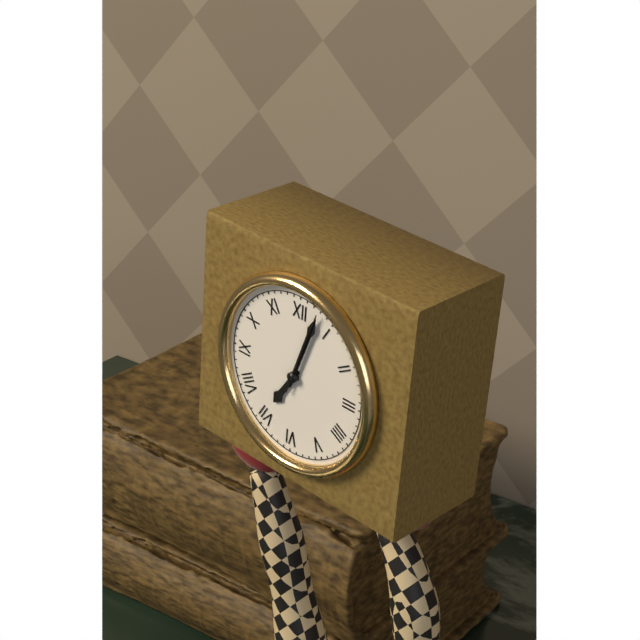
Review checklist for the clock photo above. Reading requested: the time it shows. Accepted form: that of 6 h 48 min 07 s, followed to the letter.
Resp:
7 h 03 min 03 s
